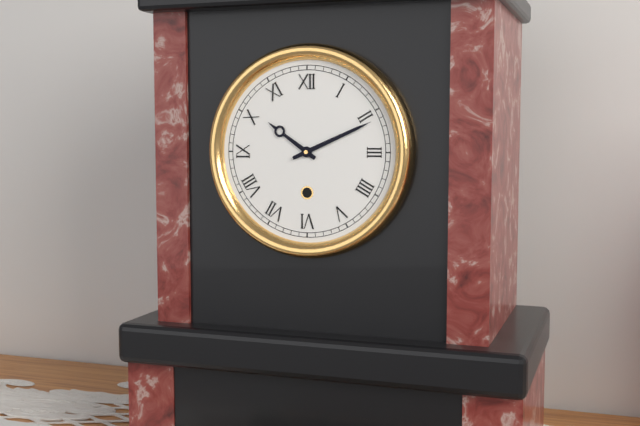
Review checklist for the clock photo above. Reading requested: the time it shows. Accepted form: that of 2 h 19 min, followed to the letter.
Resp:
10 h 11 min
